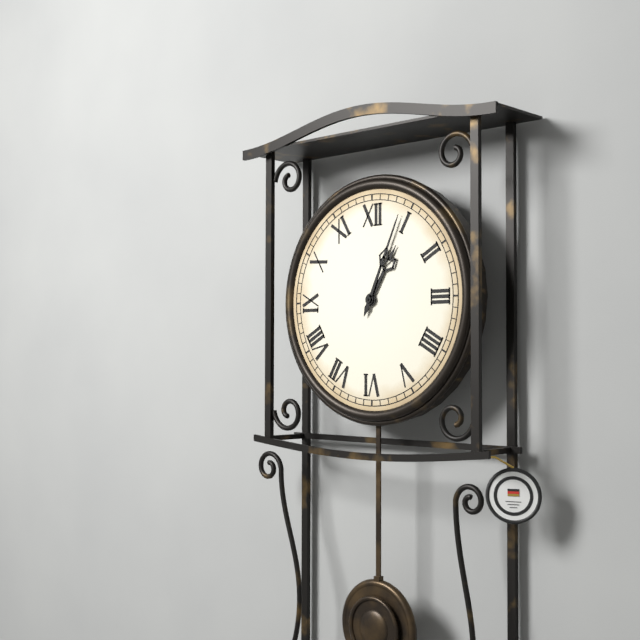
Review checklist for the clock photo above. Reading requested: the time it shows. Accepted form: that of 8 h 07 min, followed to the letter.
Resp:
1 h 04 min
